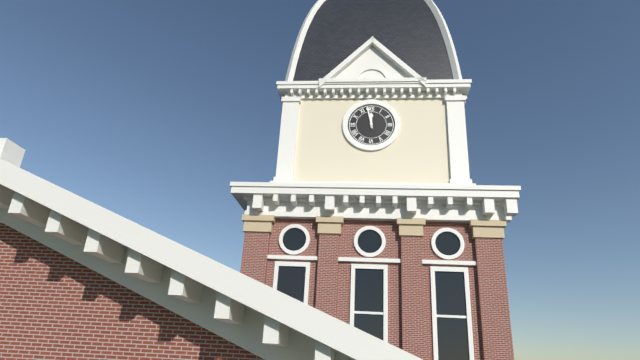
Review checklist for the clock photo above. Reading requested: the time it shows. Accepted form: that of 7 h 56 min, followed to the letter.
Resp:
11 h 58 min
